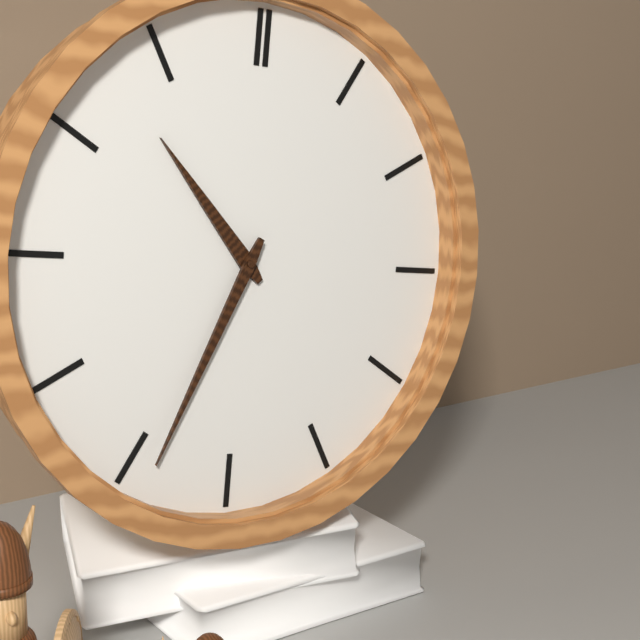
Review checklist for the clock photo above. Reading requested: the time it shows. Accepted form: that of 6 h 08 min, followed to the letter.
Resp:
10 h 34 min
